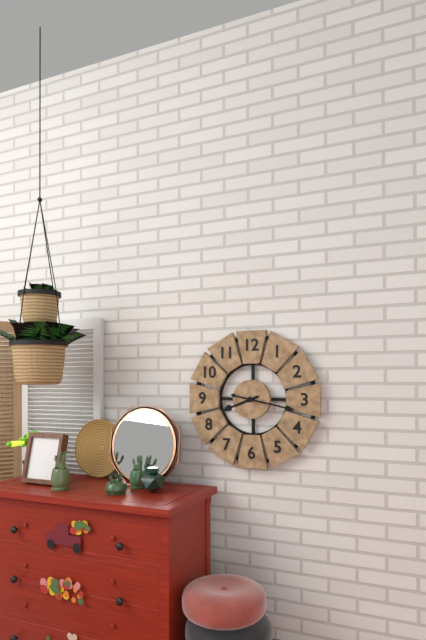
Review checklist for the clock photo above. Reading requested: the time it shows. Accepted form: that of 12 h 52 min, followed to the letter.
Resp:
8 h 17 min
